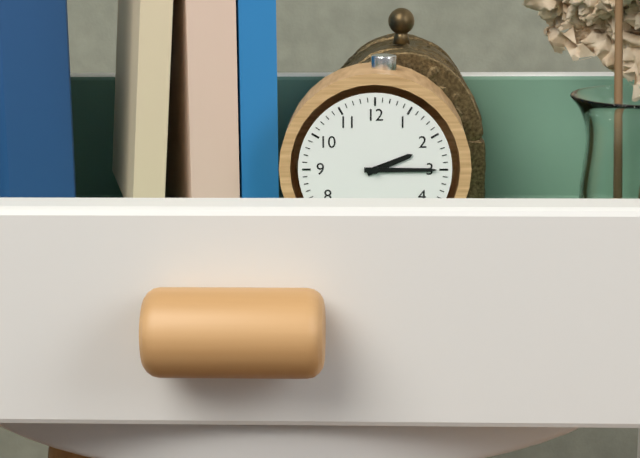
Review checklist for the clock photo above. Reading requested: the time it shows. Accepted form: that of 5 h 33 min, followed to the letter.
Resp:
2 h 15 min
